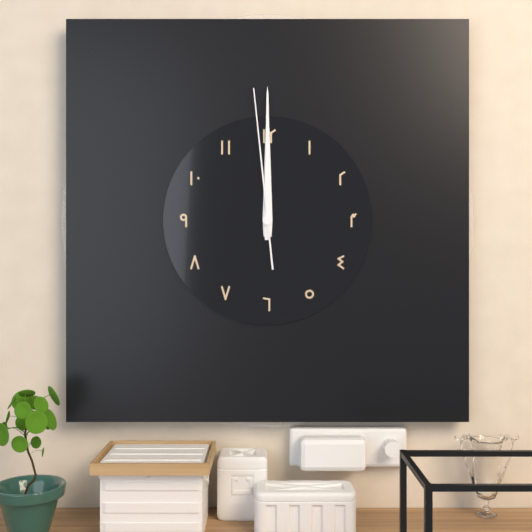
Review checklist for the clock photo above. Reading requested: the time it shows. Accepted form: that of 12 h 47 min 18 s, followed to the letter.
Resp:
12 h 00 min 59 s
